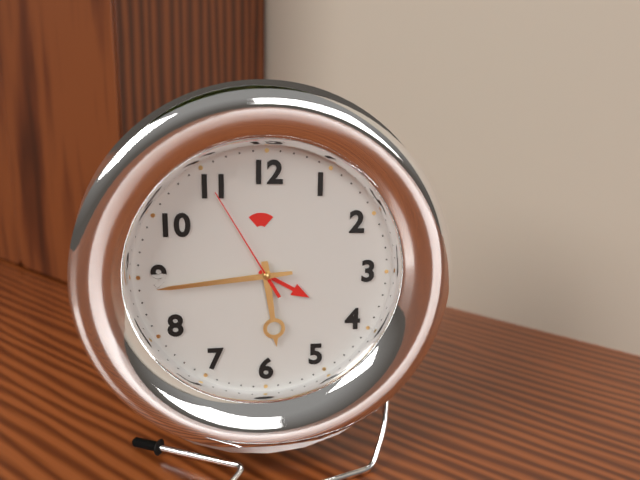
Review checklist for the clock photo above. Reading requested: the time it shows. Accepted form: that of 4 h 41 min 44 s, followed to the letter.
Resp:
5 h 44 min 55 s
